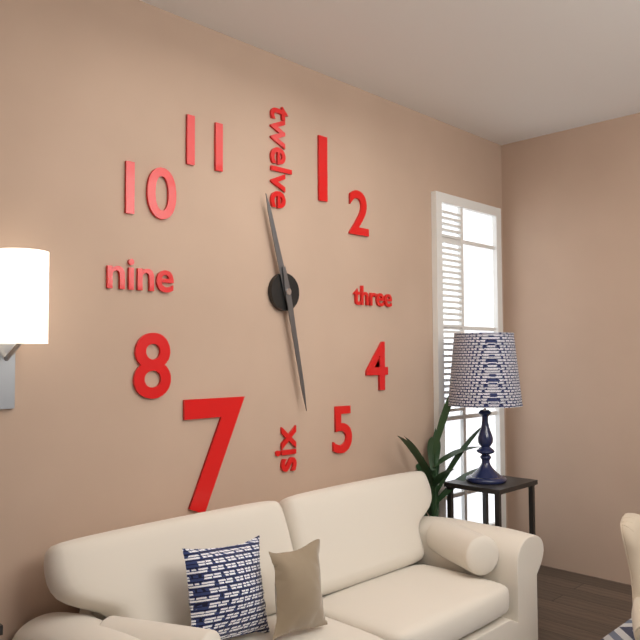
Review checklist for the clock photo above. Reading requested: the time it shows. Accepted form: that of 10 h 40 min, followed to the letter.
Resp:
11 h 28 min
